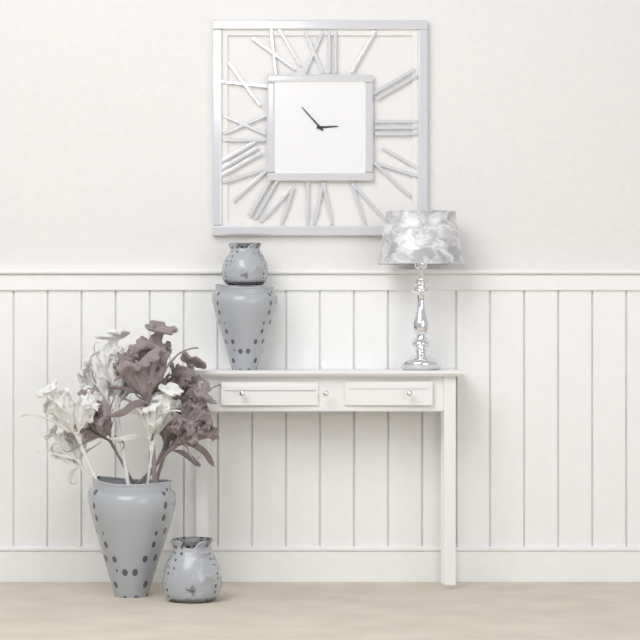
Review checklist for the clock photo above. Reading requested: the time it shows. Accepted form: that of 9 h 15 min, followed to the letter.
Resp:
2 h 53 min
